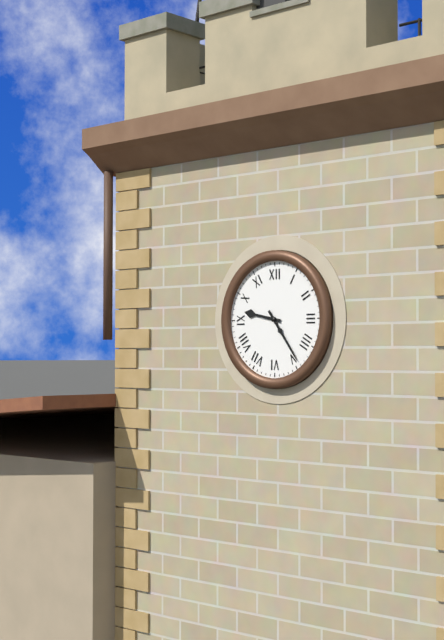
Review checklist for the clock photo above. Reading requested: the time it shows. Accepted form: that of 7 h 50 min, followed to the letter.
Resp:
9 h 24 min
